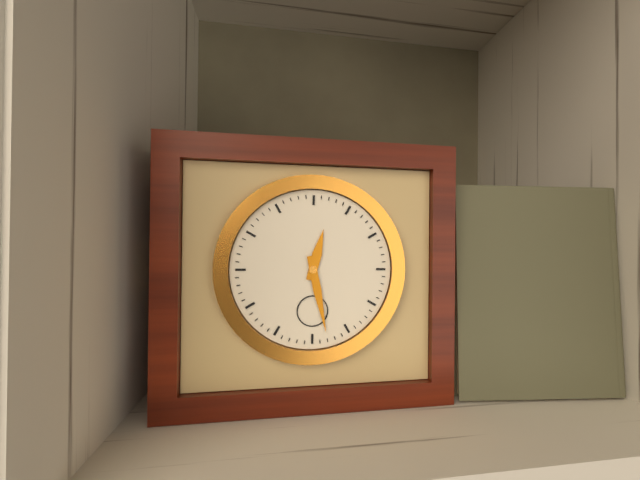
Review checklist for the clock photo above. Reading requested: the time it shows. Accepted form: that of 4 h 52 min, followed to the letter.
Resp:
12 h 28 min
